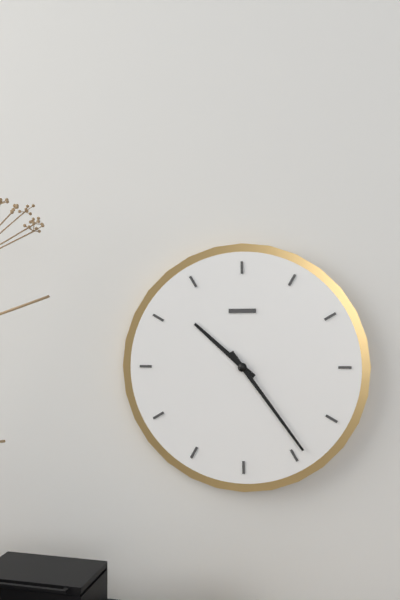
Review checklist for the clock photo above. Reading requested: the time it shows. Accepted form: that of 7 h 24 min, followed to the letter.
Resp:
10 h 24 min
